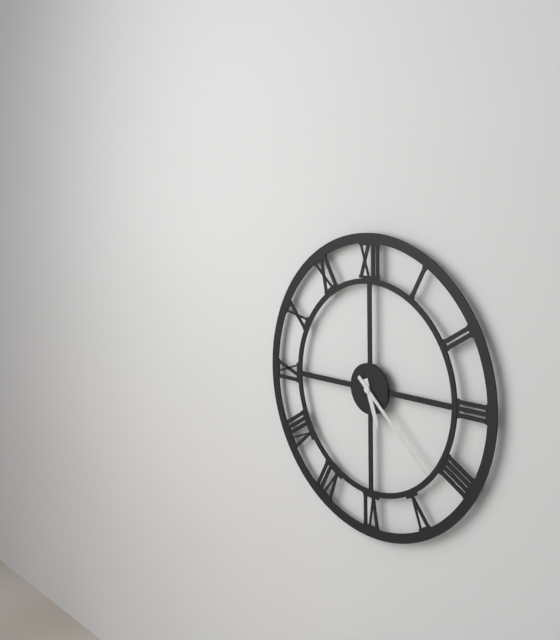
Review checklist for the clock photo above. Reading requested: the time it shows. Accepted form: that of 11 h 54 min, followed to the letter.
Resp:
5 h 22 min
